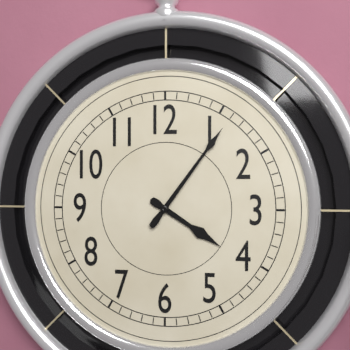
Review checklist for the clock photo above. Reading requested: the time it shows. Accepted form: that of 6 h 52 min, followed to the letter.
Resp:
4 h 06 min
